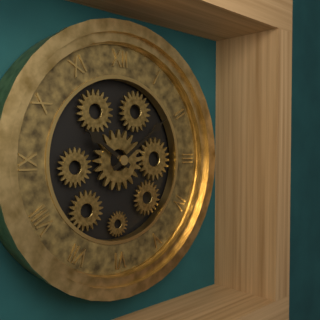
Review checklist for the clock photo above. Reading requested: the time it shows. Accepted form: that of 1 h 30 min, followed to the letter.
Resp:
10 h 09 min
